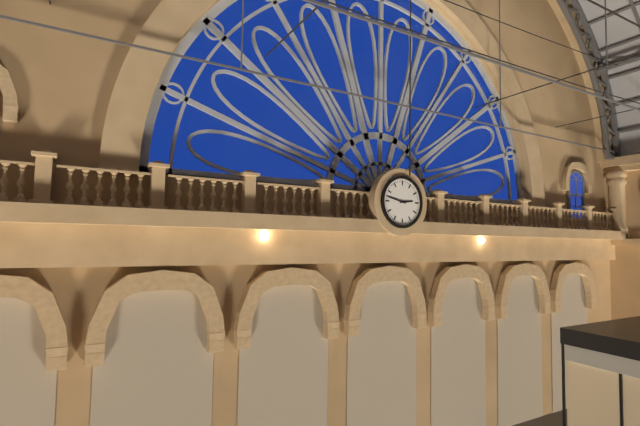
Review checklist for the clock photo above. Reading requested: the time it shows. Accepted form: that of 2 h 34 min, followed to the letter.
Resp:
2 h 47 min
